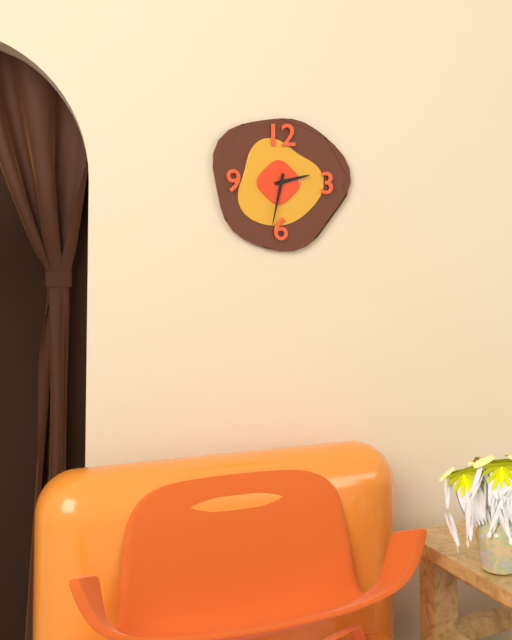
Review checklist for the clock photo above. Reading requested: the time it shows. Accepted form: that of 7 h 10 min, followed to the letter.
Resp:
2 h 32 min
